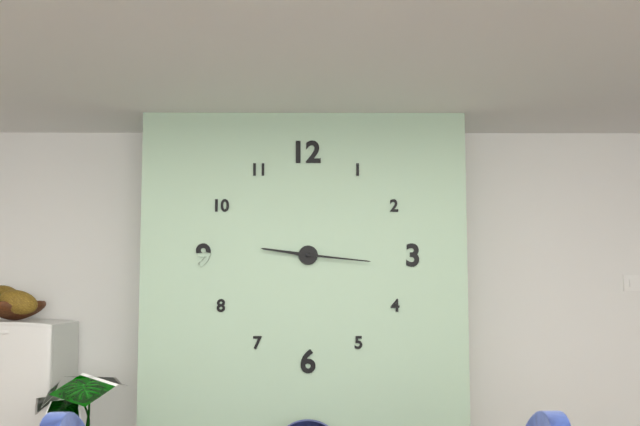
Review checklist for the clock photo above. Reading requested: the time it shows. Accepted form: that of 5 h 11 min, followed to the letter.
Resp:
9 h 16 min
